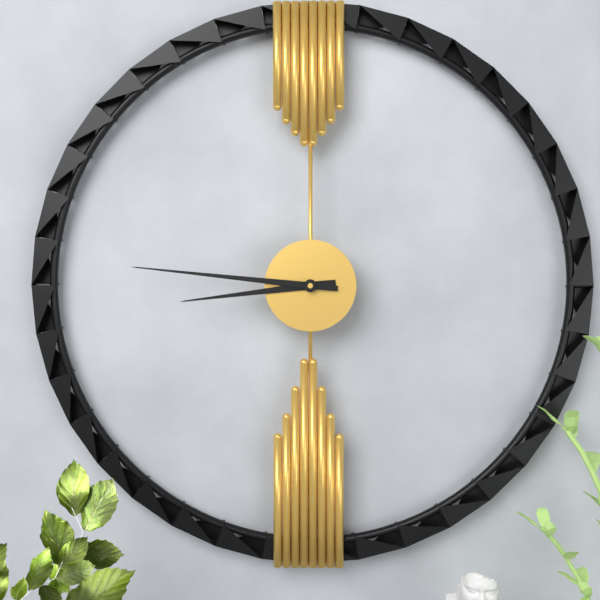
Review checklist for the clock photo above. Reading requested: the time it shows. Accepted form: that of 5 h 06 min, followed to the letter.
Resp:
8 h 46 min
